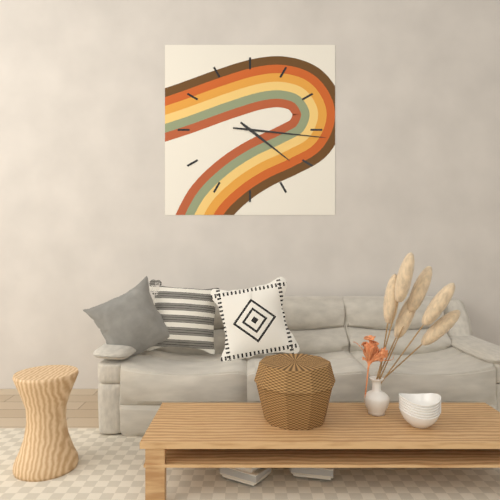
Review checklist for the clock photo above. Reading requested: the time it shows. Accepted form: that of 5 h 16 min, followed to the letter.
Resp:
4 h 16 min
